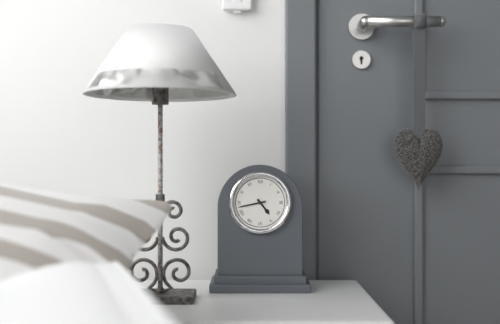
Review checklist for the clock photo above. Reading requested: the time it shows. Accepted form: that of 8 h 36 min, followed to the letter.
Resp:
4 h 43 min
